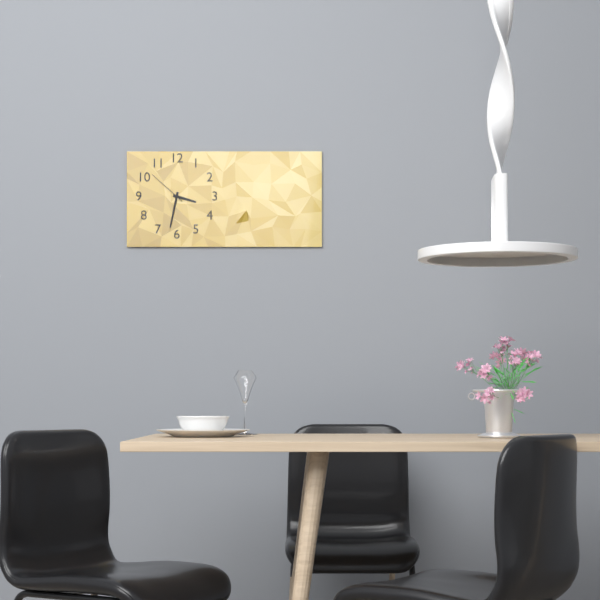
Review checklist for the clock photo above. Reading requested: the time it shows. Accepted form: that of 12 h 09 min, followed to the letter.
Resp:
3 h 32 min
